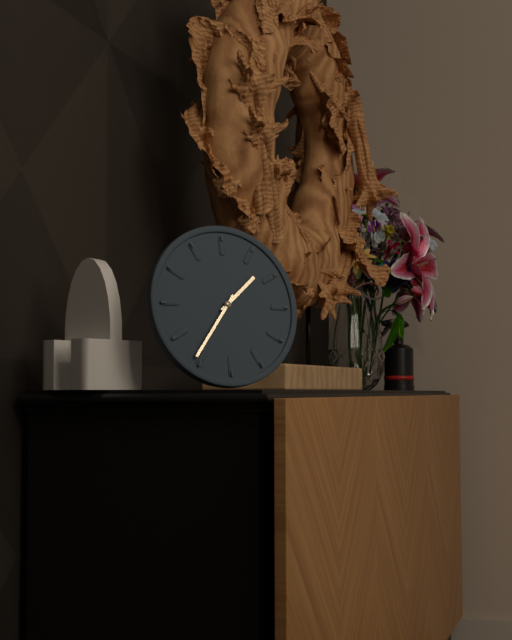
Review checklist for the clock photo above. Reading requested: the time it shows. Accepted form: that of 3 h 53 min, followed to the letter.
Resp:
1 h 36 min
